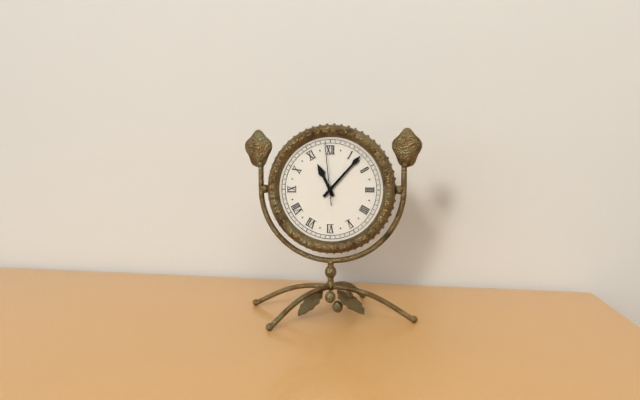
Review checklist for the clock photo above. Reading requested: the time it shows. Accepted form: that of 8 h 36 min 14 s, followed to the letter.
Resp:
11 h 07 min 59 s
